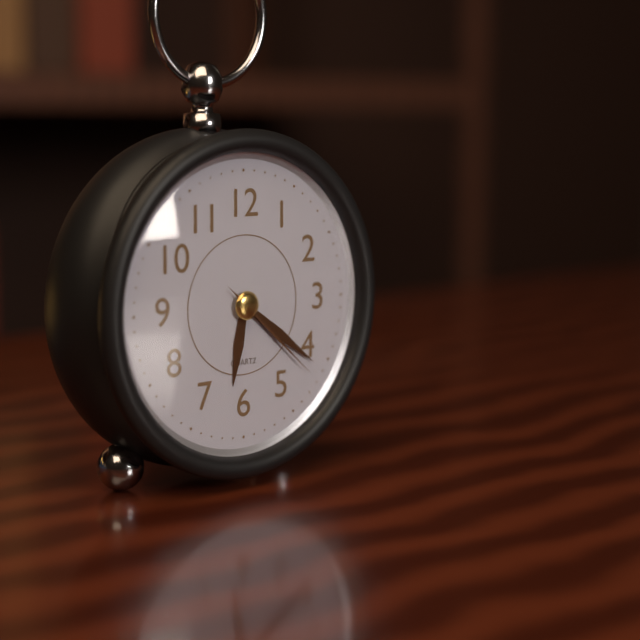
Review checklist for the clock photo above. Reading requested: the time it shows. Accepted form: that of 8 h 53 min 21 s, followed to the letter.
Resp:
6 h 21 min 22 s
